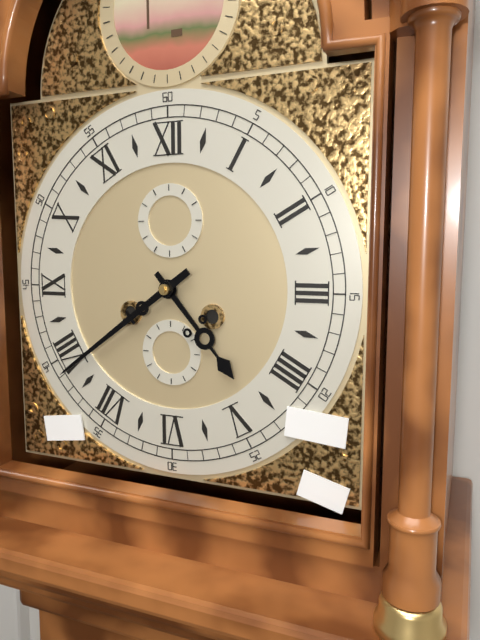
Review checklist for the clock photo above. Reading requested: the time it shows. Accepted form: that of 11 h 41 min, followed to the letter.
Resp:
4 h 39 min
